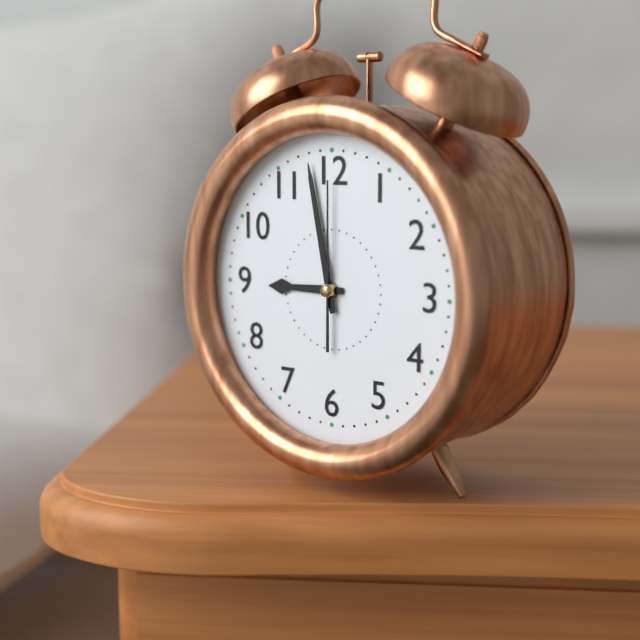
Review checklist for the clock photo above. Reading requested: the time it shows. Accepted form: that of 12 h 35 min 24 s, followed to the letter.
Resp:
8 h 58 min 00 s
